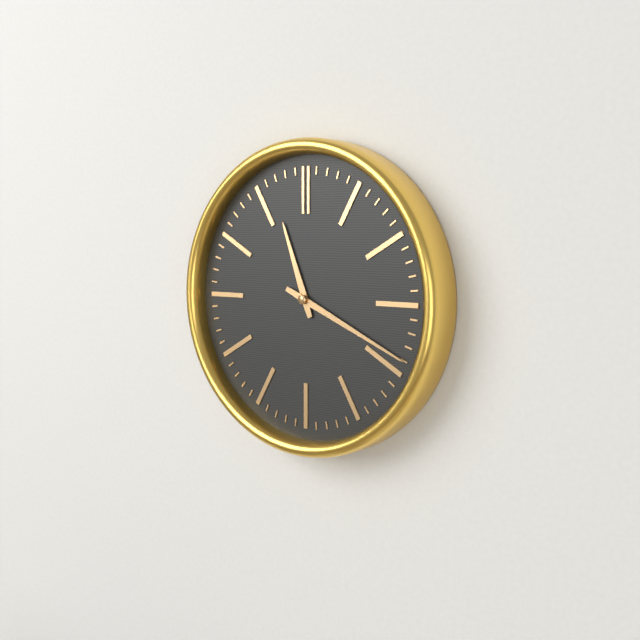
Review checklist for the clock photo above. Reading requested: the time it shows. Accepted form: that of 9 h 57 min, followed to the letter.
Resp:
11 h 19 min
